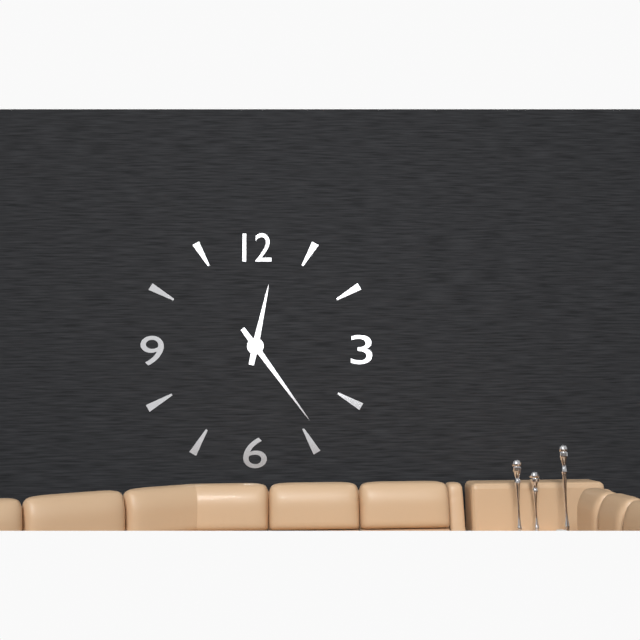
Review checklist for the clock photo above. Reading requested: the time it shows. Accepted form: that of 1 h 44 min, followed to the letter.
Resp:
12 h 24 min
